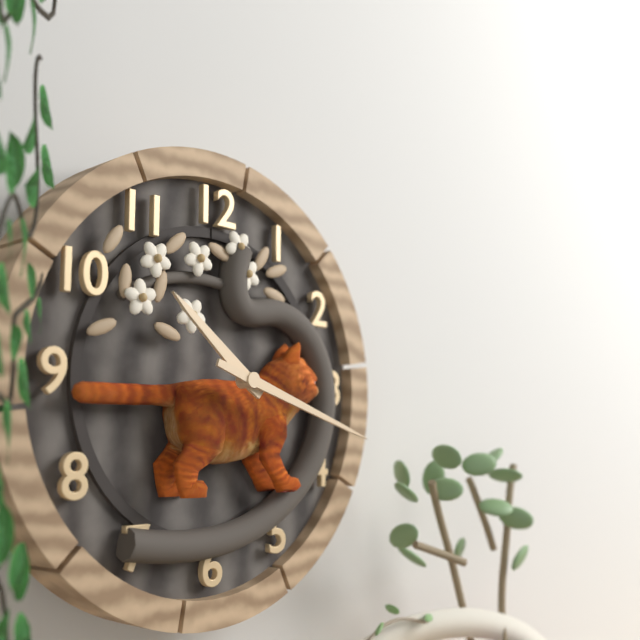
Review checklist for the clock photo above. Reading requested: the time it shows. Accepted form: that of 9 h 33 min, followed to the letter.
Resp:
10 h 18 min
